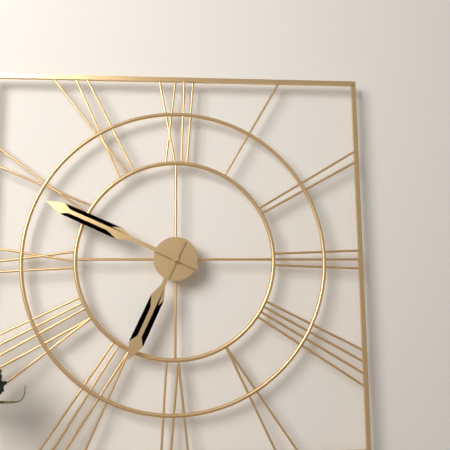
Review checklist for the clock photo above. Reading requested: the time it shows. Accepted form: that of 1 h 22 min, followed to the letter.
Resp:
6 h 49 min
